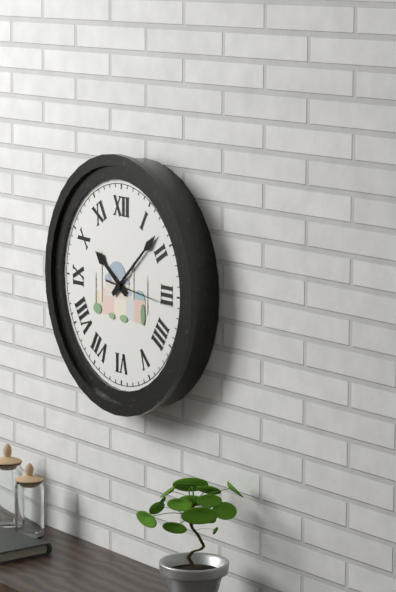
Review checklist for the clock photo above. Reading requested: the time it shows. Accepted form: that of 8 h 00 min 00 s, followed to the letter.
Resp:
10 h 08 min 16 s
